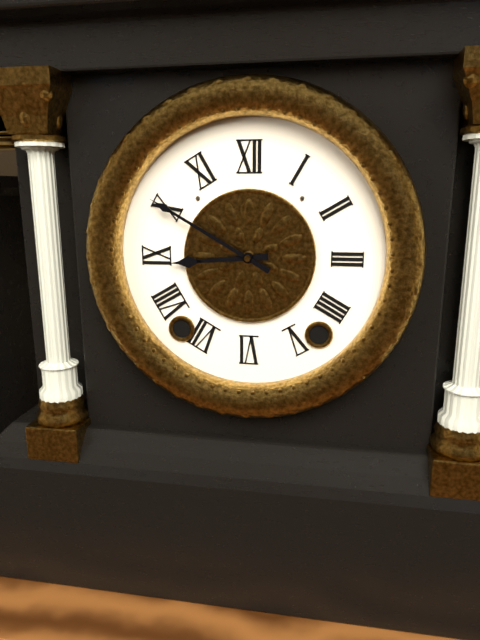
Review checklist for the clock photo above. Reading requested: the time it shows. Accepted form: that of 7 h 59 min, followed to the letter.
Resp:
8 h 50 min
